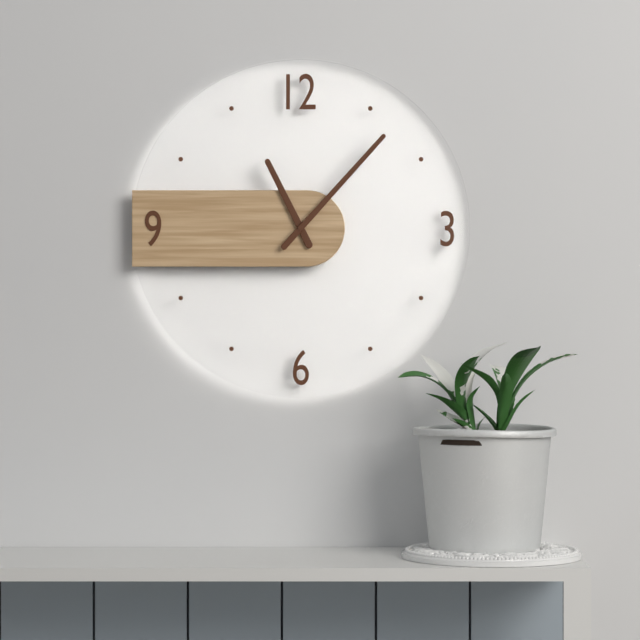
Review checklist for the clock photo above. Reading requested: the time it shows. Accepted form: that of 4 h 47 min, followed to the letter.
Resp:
11 h 07 min
